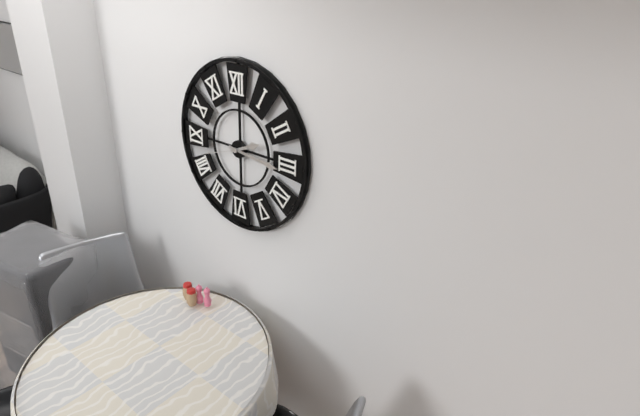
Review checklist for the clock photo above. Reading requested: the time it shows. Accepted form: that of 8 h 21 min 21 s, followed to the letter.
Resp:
2 h 16 min 42 s
